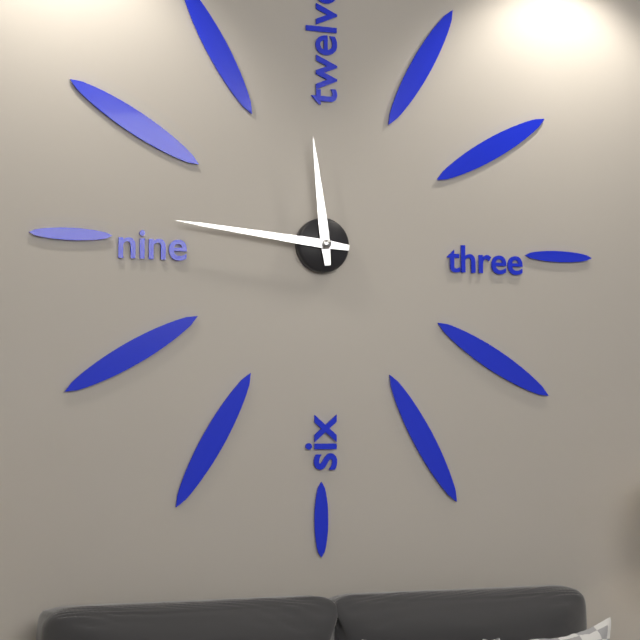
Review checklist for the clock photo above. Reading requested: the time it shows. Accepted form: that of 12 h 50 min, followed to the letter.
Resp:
11 h 46 min
